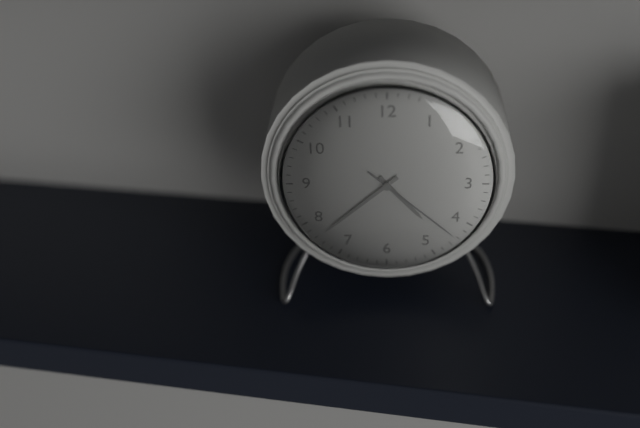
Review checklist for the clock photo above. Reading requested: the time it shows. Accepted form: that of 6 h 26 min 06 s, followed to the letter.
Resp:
4 h 38 min 22 s
